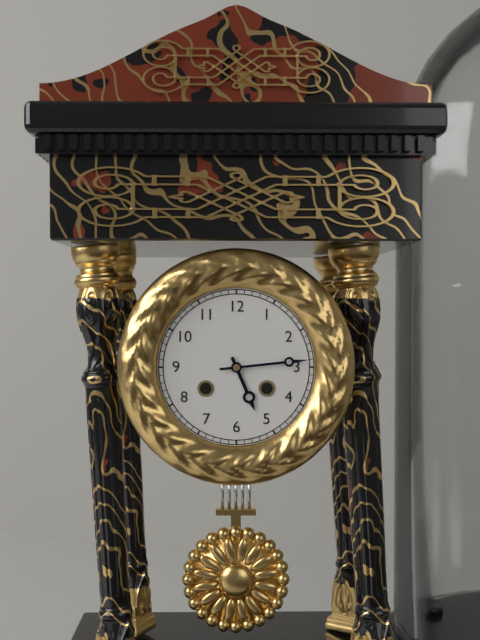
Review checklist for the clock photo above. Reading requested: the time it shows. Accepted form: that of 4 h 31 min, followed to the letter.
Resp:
5 h 14 min
